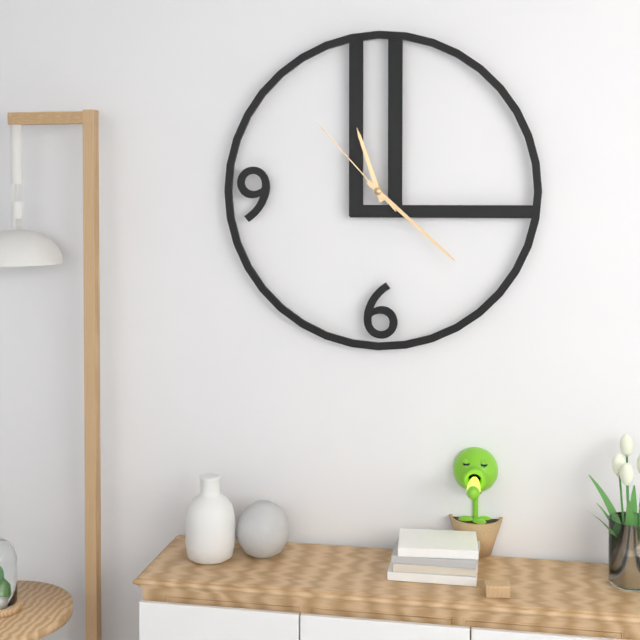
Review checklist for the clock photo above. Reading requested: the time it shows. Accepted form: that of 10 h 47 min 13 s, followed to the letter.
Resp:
11 h 22 min 53 s
